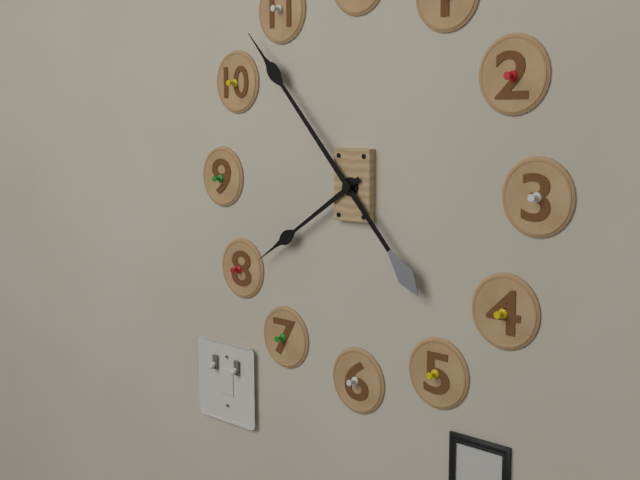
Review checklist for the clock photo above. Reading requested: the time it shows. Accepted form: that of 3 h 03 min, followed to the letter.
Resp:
7 h 53 min
